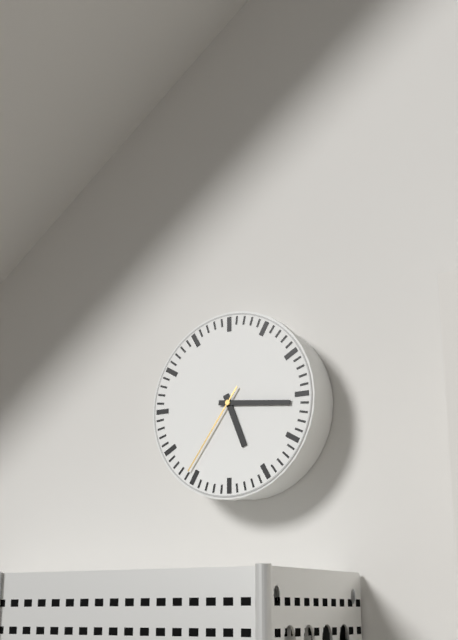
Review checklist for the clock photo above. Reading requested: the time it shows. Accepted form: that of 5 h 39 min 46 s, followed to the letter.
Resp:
5 h 16 min 36 s
